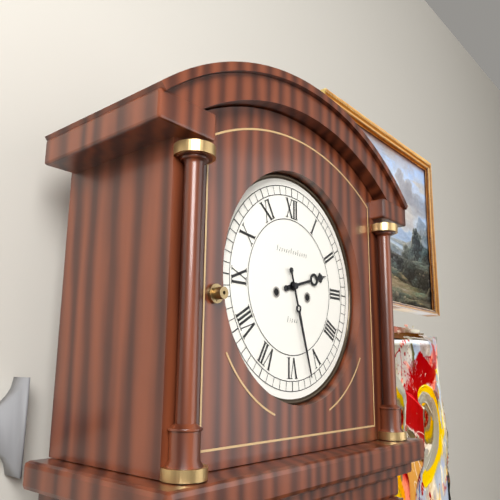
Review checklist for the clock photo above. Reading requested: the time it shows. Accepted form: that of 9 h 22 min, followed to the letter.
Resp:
2 h 27 min
